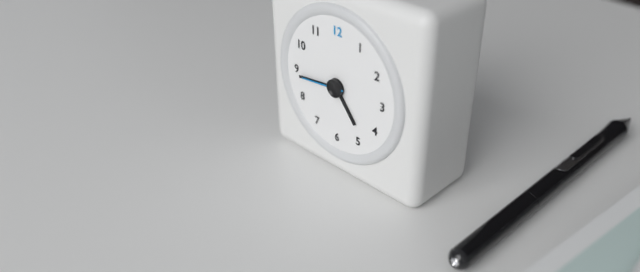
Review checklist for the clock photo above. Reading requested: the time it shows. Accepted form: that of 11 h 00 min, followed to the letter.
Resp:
4 h 44 min
